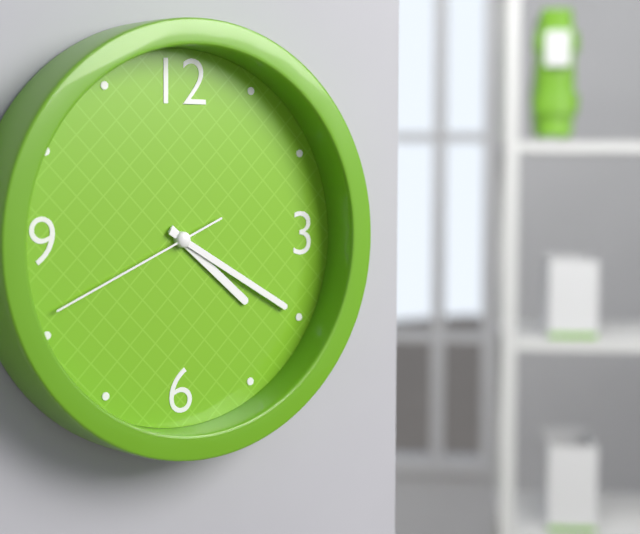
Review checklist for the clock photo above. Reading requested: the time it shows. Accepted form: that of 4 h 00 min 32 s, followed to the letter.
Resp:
4 h 20 min 41 s
